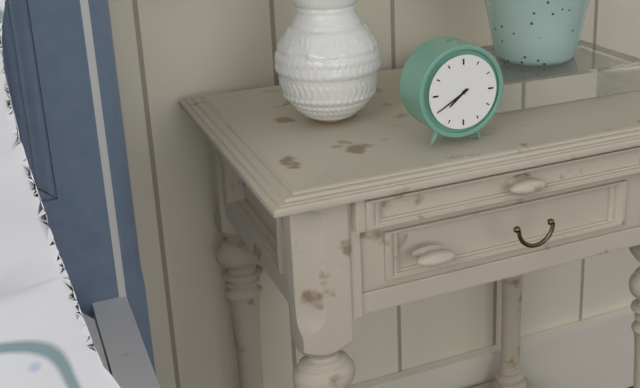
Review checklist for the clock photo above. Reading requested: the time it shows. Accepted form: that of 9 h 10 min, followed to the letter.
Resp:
7 h 40 min
